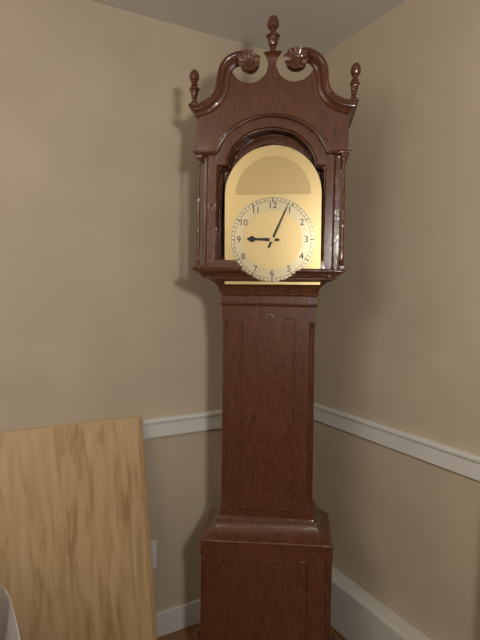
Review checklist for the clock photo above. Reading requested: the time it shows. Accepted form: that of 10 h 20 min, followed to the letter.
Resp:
9 h 04 min
